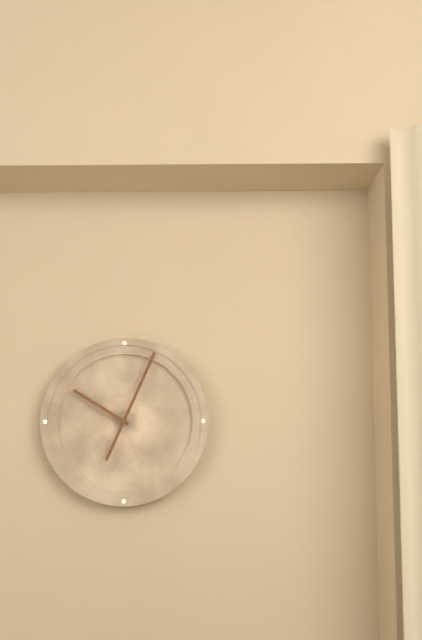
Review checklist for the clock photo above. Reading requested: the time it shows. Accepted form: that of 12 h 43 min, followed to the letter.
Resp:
10 h 04 min
